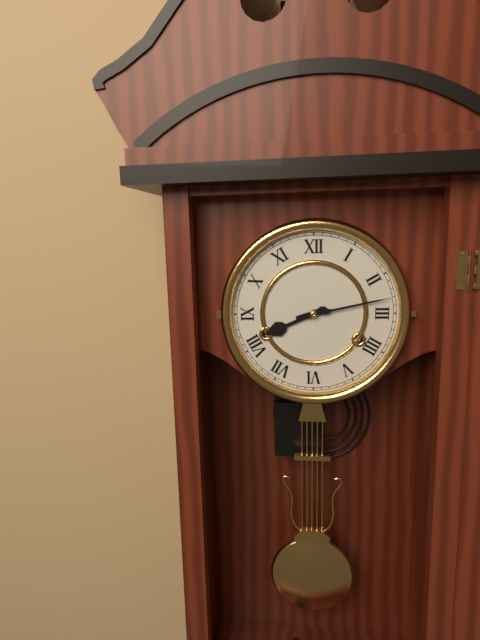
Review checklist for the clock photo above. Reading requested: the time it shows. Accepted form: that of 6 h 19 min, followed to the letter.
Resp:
8 h 13 min
